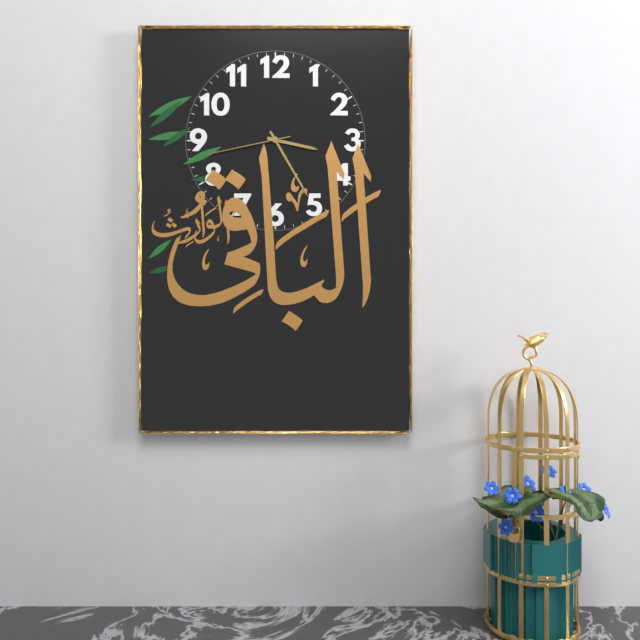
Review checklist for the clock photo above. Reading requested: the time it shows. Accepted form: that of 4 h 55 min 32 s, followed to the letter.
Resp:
3 h 25 min 43 s
